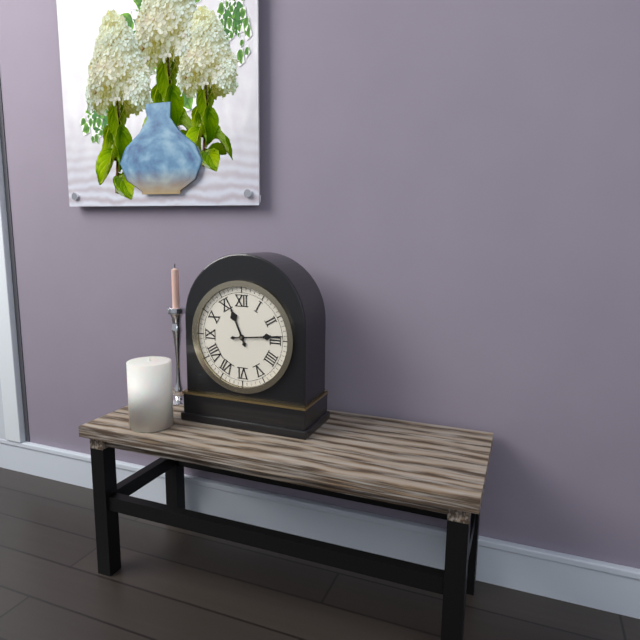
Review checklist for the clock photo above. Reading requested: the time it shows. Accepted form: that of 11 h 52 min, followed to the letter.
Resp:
11 h 14 min
